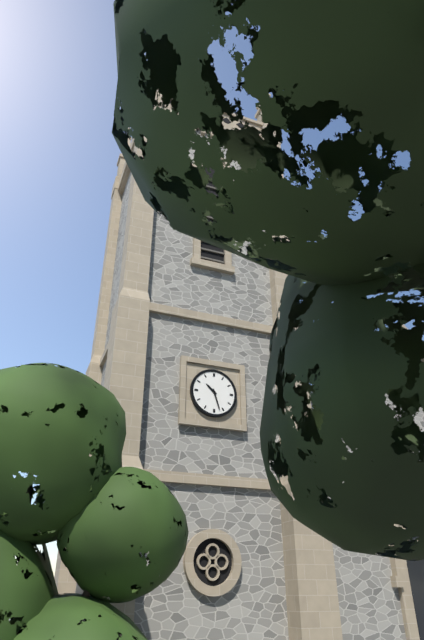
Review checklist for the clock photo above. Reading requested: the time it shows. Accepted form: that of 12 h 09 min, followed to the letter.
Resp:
10 h 27 min
